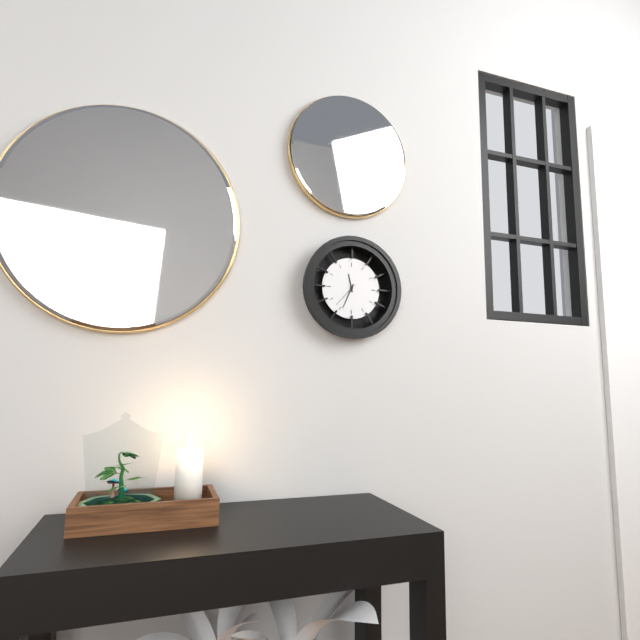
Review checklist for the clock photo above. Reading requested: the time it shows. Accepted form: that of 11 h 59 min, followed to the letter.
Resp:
11 h 34 min
